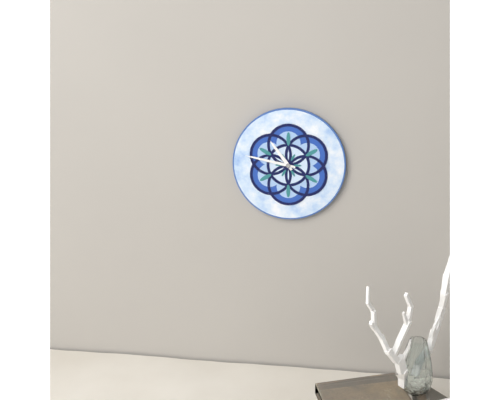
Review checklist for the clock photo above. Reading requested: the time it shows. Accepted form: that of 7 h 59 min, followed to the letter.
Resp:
10 h 47 min
